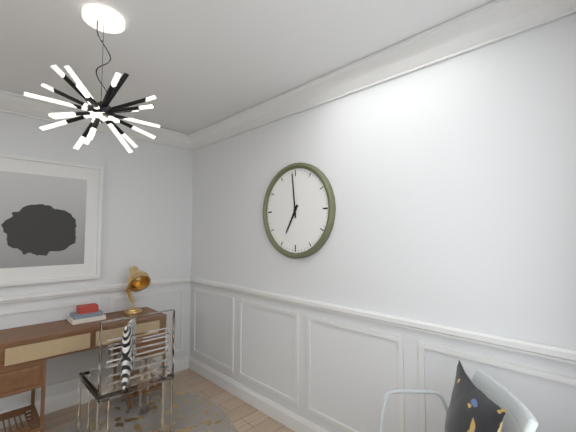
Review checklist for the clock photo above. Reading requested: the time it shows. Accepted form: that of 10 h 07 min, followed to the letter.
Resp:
6 h 59 min
